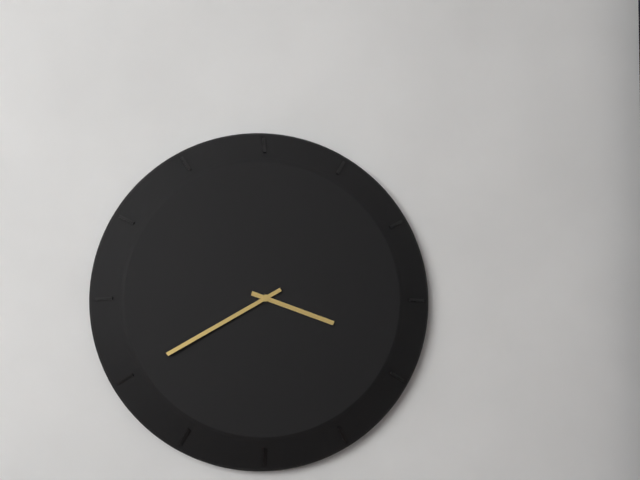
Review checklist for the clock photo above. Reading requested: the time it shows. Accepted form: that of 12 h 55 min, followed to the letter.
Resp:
3 h 40 min
